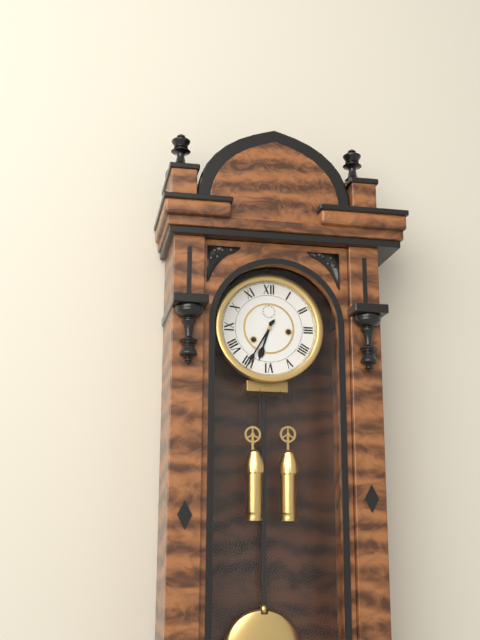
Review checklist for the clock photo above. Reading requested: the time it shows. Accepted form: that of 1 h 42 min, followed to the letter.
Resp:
6 h 35 min
